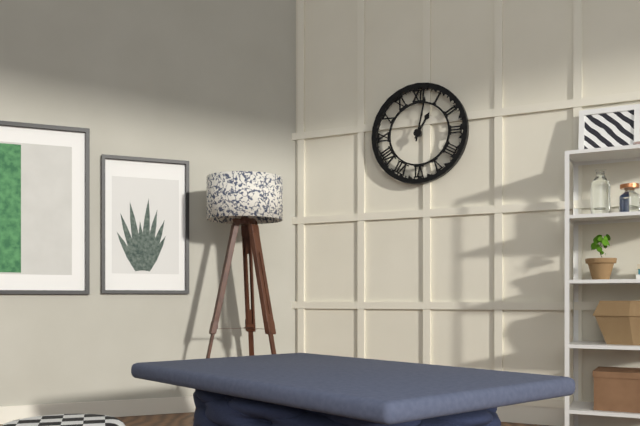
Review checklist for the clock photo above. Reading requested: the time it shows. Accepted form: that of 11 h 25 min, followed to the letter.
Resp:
1 h 02 min
